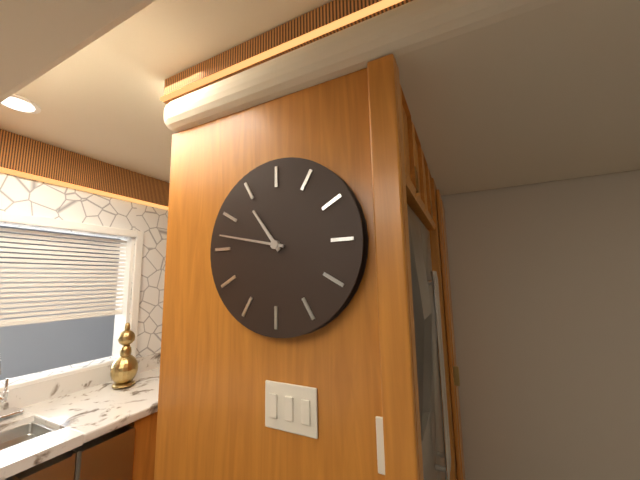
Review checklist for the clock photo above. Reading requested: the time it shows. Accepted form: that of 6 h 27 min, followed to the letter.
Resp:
10 h 47 min
